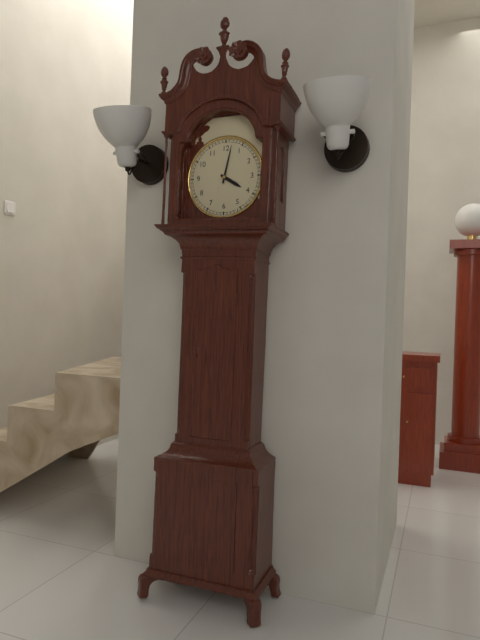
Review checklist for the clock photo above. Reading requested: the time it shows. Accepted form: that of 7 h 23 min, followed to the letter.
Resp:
4 h 02 min
